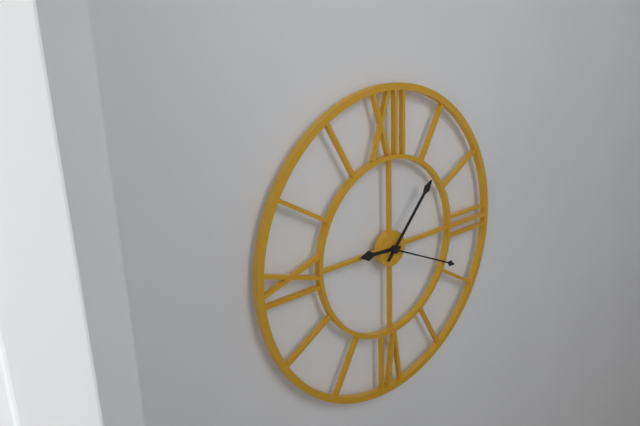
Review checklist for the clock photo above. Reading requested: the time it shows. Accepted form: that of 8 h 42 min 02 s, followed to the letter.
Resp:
9 h 07 min 19 s
